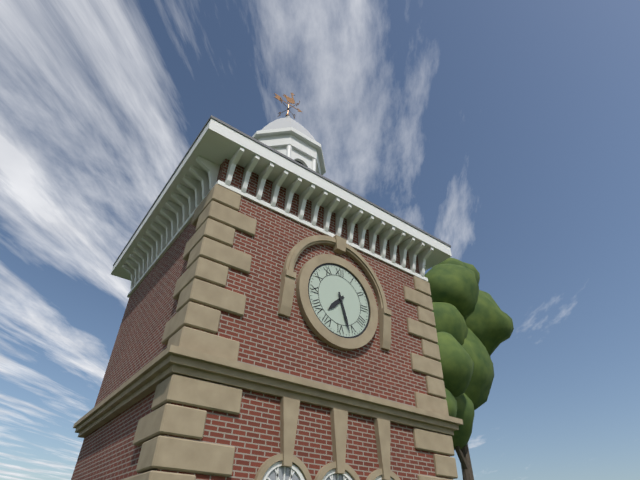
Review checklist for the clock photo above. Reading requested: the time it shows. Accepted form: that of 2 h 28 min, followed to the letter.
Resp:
7 h 27 min
